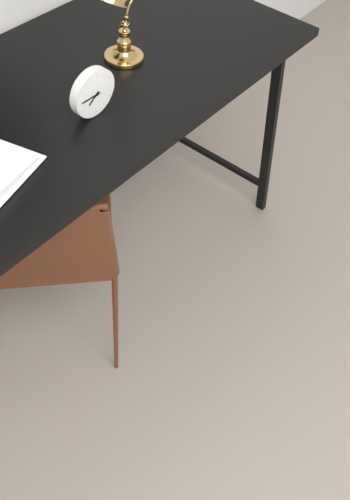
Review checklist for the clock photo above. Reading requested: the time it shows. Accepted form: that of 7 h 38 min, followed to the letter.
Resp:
7 h 45 min
